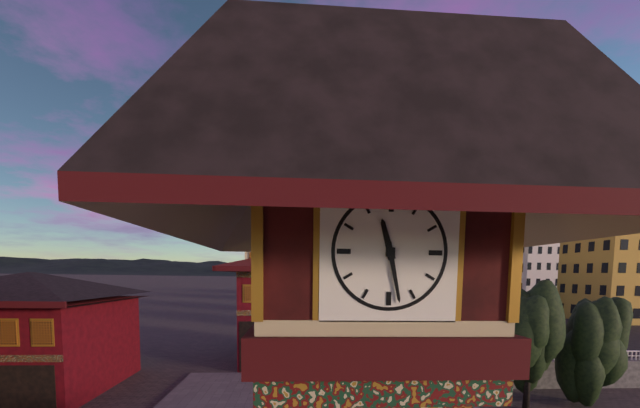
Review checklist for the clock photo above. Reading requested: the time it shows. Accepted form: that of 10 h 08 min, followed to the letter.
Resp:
11 h 28 min
